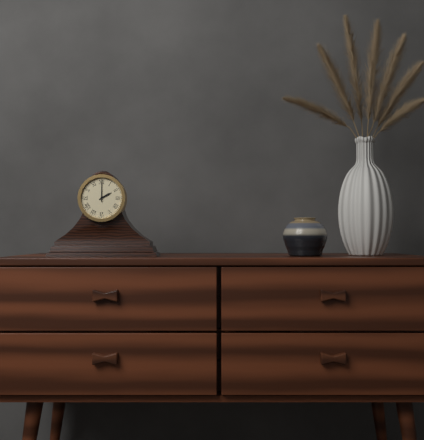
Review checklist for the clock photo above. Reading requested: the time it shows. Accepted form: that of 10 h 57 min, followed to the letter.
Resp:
2 h 00 min
